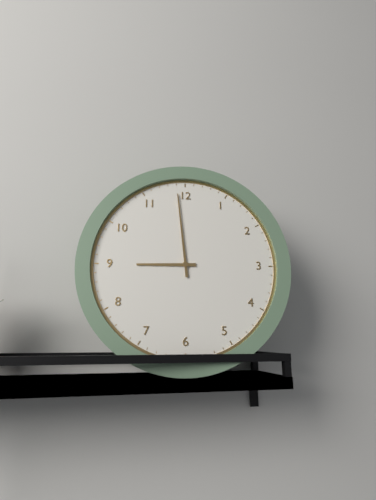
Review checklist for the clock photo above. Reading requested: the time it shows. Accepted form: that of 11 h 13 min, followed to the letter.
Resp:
8 h 59 min
